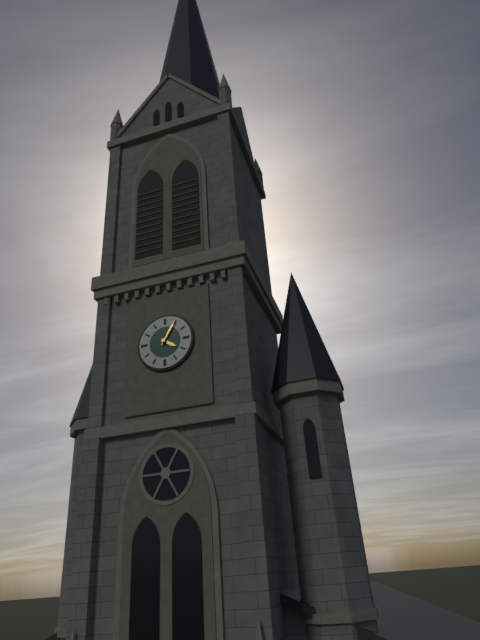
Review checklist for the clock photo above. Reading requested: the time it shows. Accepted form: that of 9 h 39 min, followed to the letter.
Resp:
4 h 05 min
